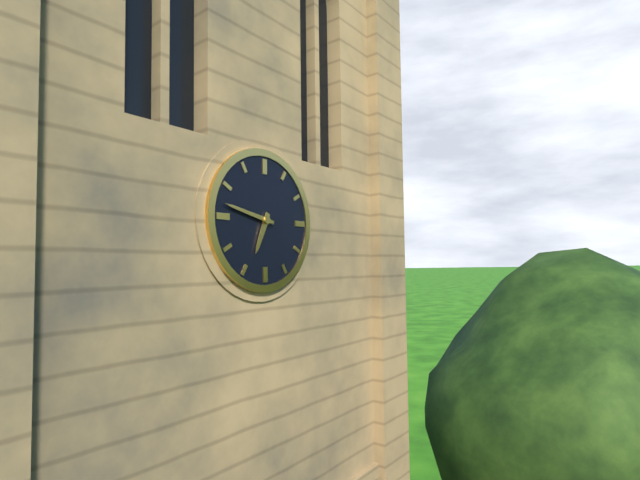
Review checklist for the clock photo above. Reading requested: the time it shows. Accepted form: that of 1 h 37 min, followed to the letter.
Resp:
6 h 47 min
